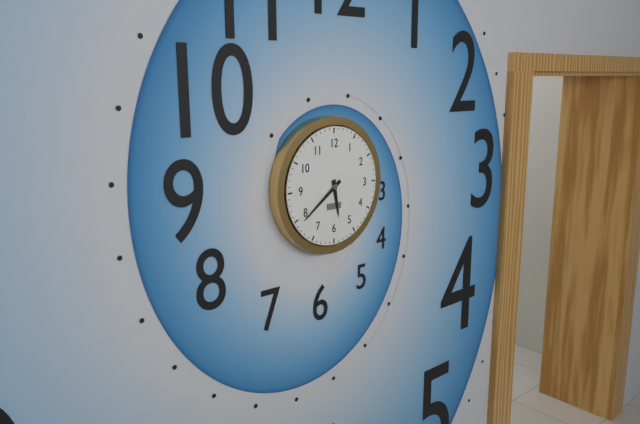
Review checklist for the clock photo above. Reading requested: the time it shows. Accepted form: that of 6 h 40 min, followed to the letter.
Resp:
5 h 39 min
